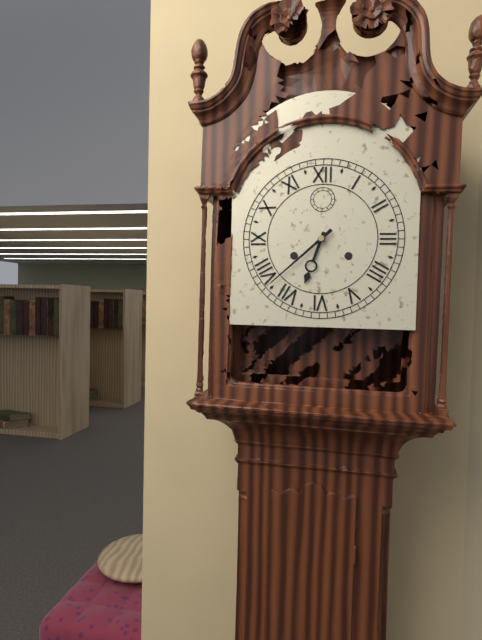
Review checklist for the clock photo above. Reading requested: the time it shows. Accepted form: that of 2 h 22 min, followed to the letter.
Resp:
6 h 38 min
